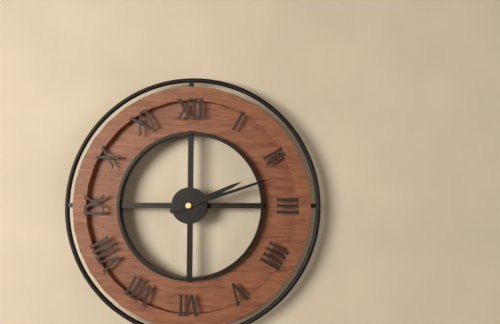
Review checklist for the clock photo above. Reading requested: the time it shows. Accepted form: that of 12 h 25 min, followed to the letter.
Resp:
2 h 12 min
